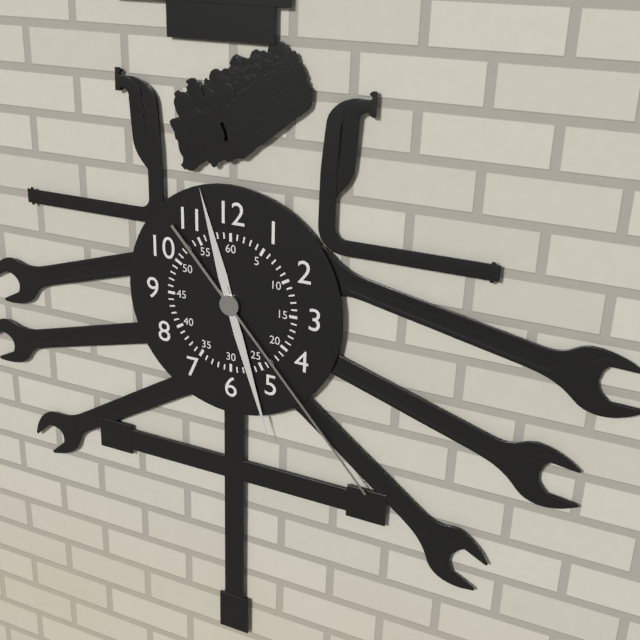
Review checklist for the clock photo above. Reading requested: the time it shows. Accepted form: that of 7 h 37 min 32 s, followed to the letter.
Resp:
11 h 27 min 23 s
